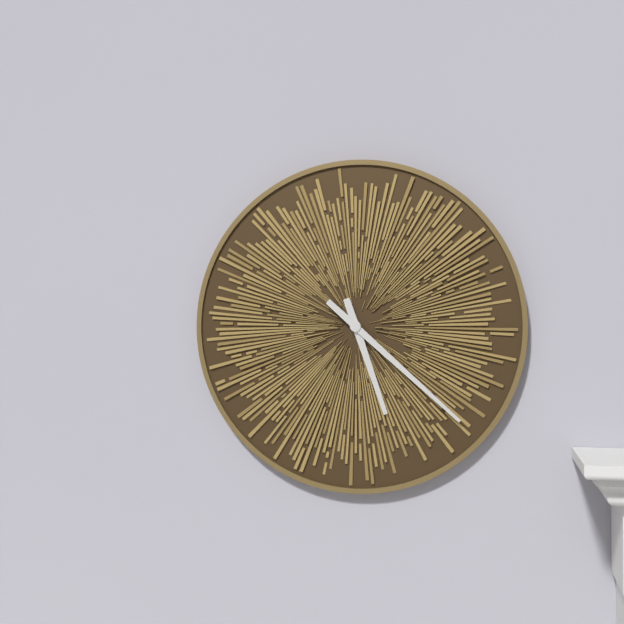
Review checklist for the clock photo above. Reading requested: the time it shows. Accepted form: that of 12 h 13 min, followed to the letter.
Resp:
5 h 22 min
